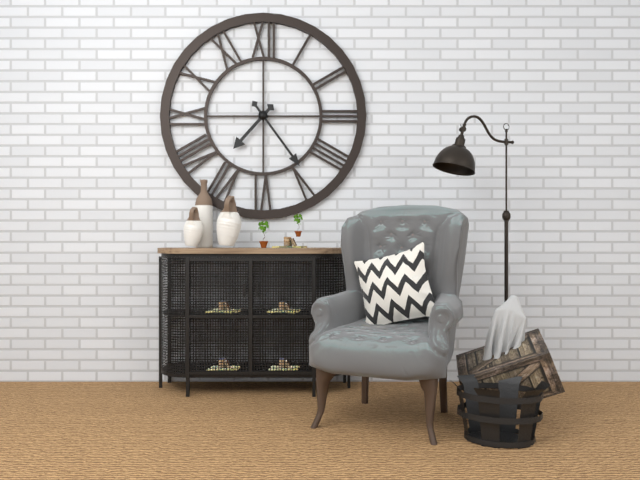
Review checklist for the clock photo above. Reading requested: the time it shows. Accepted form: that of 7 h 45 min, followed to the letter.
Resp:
7 h 24 min
